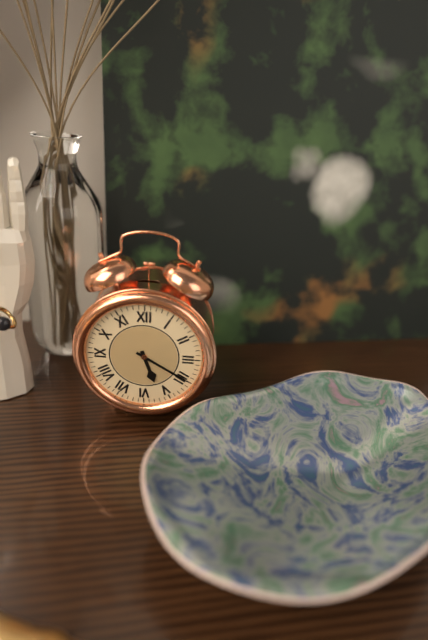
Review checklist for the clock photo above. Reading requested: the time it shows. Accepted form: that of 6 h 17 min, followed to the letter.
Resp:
5 h 20 min
